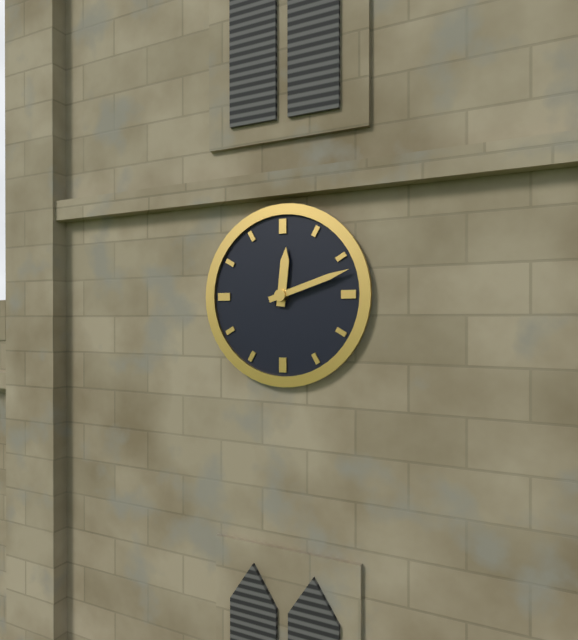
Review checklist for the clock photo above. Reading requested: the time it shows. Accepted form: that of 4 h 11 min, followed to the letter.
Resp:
12 h 12 min
